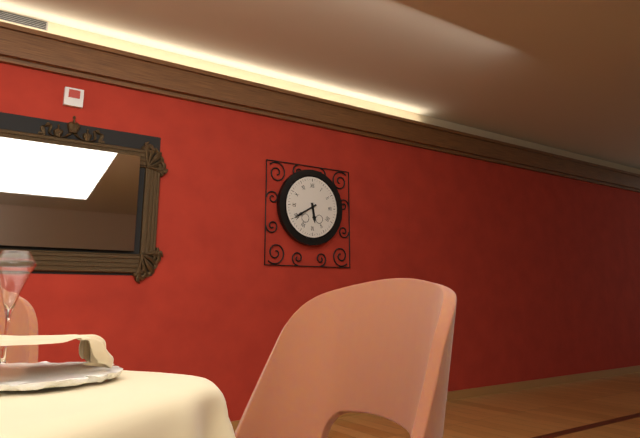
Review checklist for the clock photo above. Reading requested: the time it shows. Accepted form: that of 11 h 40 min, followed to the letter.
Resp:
5 h 40 min
